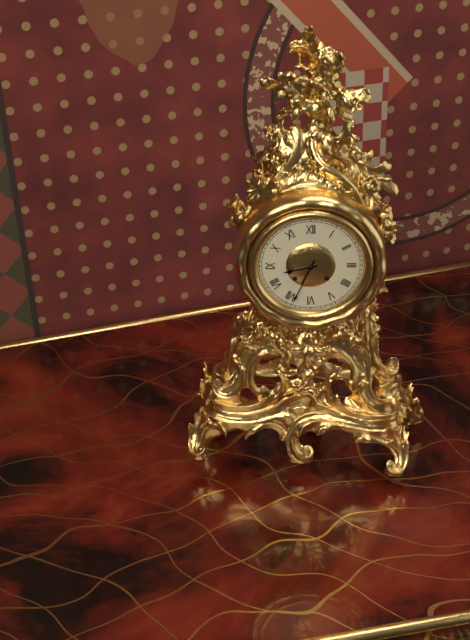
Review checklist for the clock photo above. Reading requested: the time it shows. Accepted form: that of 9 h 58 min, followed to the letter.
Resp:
8 h 34 min
